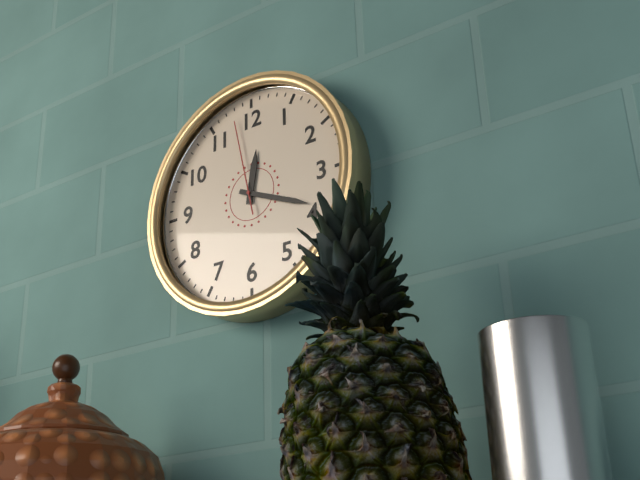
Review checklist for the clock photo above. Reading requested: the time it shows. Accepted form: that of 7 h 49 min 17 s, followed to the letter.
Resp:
12 h 19 min 58 s
